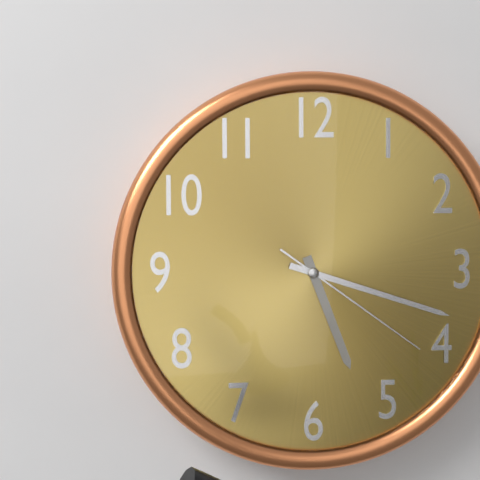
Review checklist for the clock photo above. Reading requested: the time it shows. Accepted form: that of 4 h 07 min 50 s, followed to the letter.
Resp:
5 h 18 min 21 s
